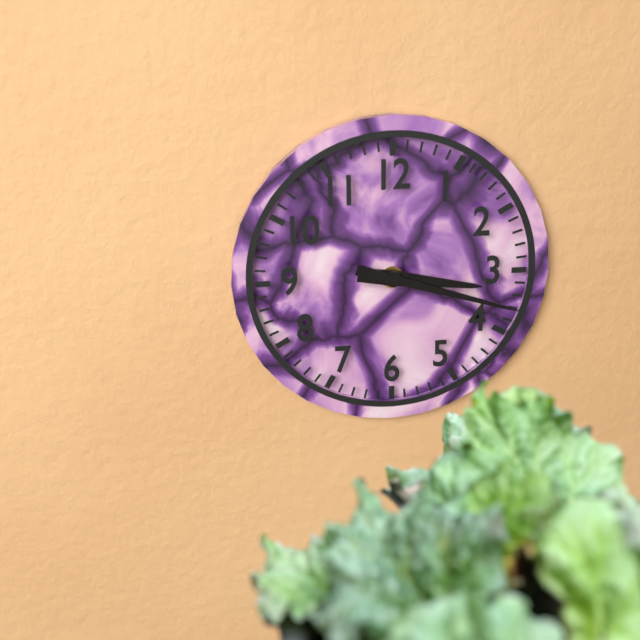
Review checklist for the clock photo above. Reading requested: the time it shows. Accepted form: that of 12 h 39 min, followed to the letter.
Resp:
3 h 18 min
